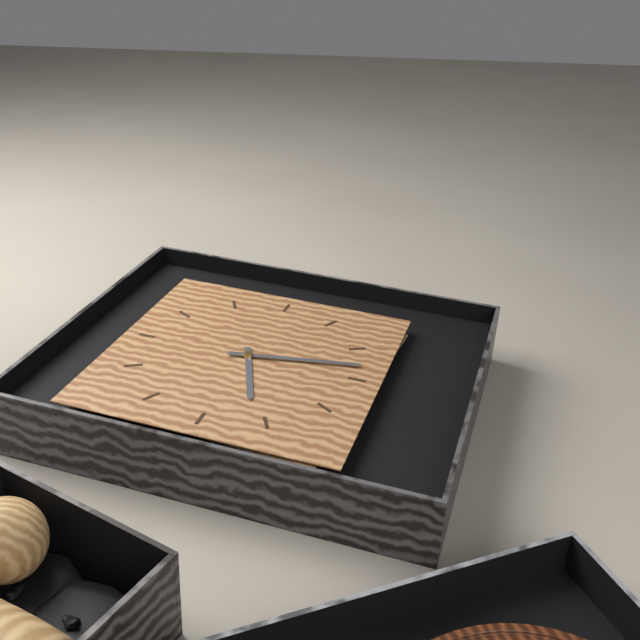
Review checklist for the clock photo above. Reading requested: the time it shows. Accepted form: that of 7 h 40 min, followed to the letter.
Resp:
5 h 13 min
